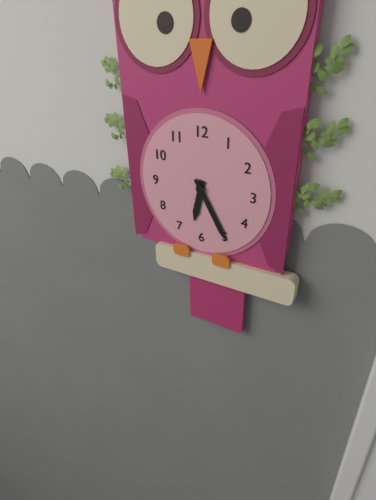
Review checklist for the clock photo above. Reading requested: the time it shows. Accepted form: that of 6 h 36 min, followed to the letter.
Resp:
6 h 25 min
